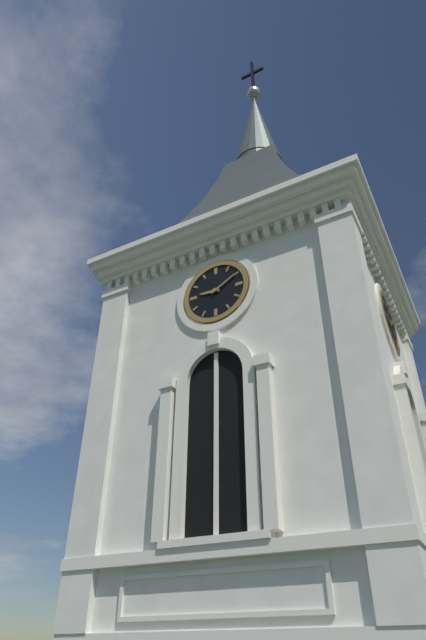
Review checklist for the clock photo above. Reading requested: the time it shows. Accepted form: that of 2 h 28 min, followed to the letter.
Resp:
9 h 10 min
